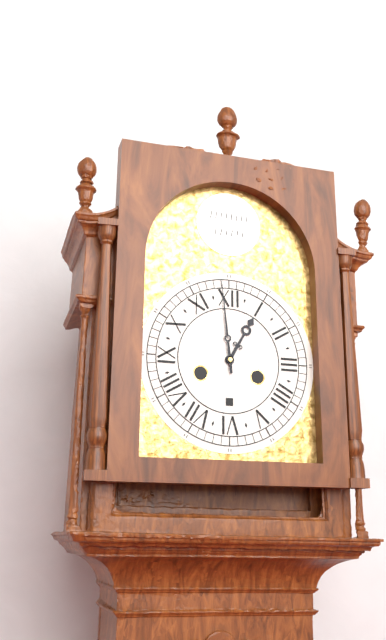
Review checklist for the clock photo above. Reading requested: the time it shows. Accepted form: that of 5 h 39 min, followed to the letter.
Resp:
12 h 59 min
